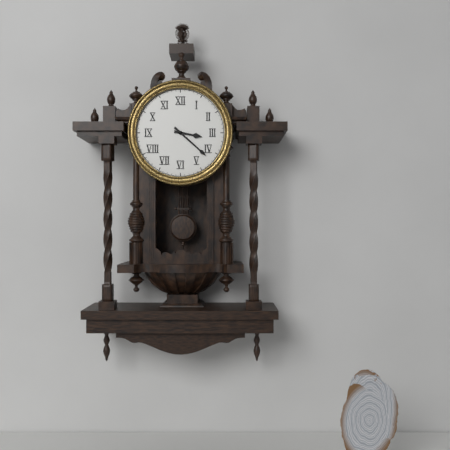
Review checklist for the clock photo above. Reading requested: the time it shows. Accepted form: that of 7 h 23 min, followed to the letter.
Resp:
3 h 22 min
